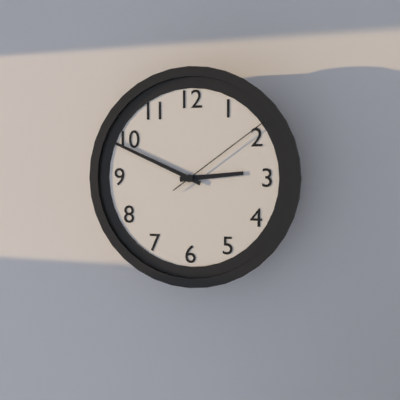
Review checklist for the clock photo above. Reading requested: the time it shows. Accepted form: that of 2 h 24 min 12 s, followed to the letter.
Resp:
2 h 49 min 09 s
